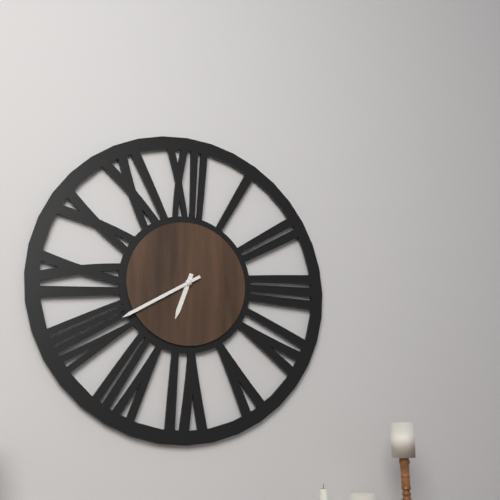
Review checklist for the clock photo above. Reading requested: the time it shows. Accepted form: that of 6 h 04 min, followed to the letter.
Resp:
6 h 40 min
